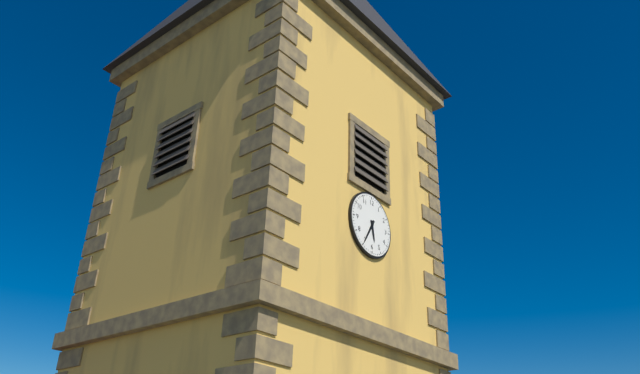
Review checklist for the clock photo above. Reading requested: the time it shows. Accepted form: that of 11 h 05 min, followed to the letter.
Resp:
5 h 35 min
